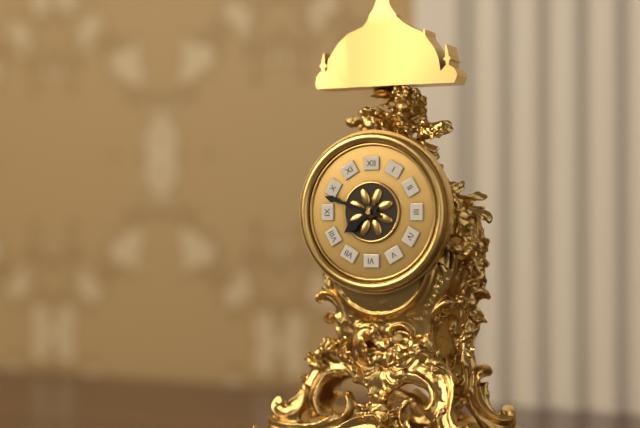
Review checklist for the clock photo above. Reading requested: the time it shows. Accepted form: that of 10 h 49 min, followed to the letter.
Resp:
7 h 48 min
